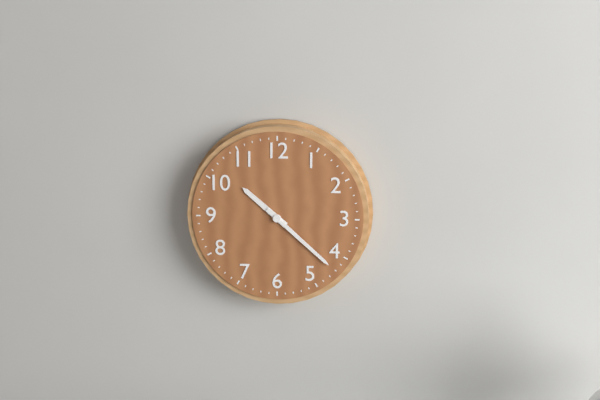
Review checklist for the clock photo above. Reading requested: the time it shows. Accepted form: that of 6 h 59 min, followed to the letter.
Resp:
10 h 22 min
